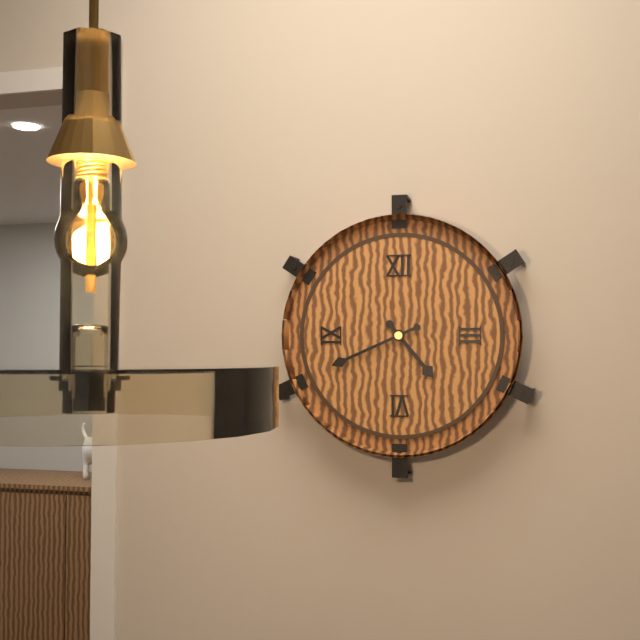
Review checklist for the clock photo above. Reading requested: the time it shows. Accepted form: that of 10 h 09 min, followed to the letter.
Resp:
4 h 41 min
